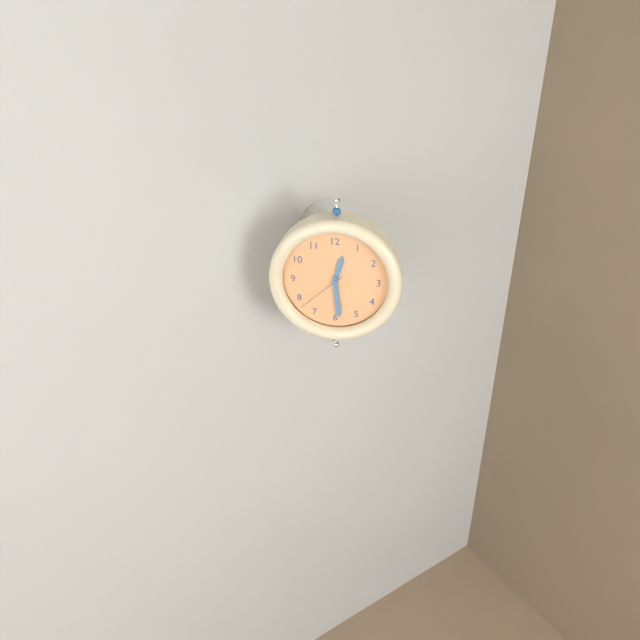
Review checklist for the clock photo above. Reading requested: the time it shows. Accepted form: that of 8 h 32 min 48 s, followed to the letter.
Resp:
12 h 29 min 38 s
